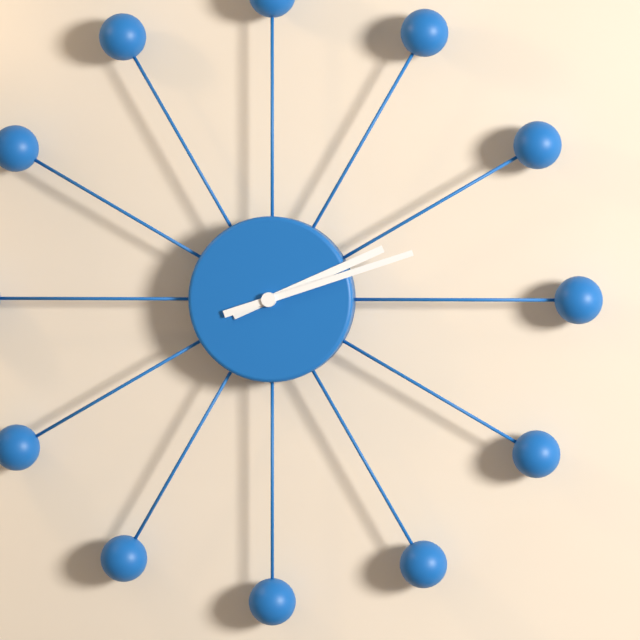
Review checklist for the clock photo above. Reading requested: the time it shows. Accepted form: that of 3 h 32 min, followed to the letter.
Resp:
2 h 12 min
